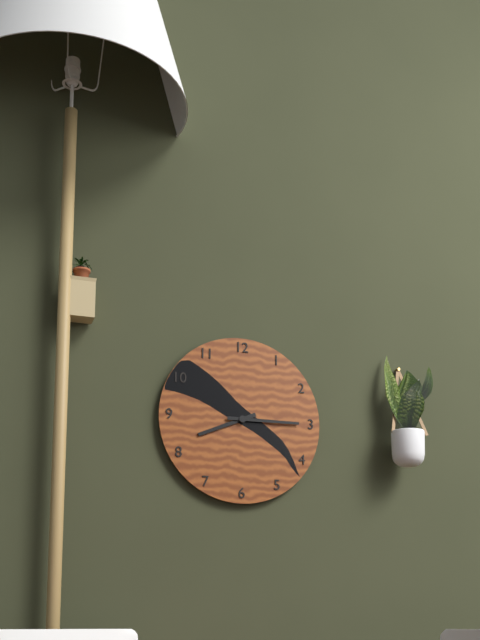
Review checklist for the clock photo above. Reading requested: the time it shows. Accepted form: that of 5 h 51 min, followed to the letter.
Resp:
8 h 15 min
